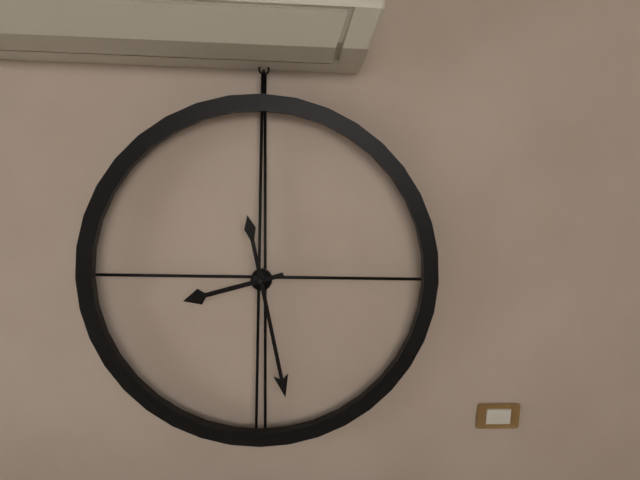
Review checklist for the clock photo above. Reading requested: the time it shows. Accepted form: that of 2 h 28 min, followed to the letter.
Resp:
8 h 28 min
